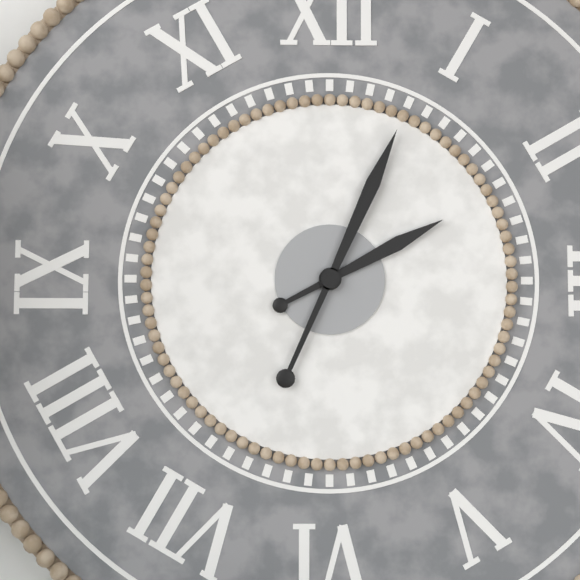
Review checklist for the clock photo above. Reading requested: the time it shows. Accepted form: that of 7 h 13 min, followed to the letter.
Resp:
2 h 04 min
